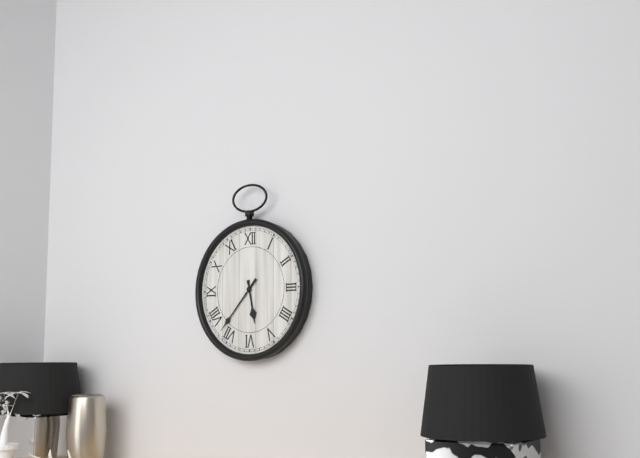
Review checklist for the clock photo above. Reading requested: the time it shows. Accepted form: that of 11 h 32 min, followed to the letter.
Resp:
5 h 37 min
